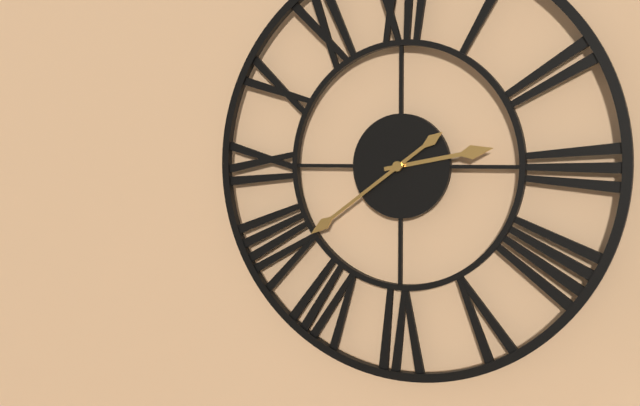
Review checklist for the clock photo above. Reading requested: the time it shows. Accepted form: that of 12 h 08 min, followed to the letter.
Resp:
2 h 39 min
